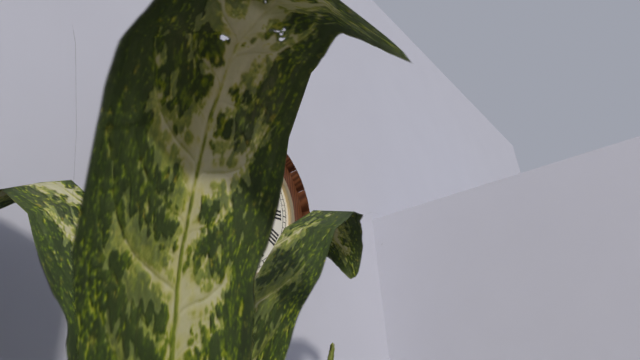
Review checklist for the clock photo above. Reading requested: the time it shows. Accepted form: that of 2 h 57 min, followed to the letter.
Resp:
2 h 42 min
